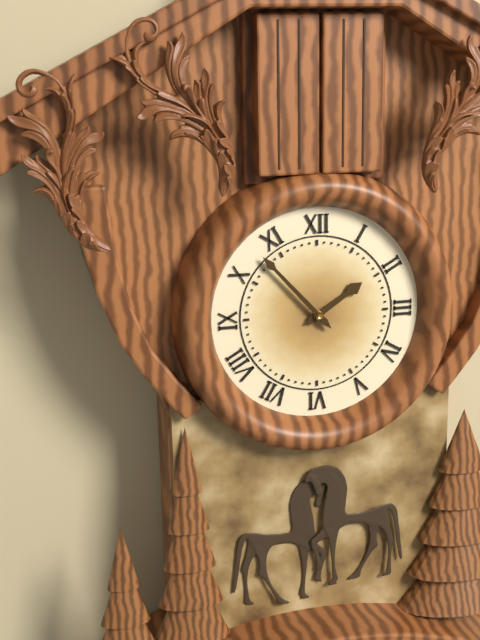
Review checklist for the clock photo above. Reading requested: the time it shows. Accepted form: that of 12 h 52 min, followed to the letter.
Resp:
1 h 53 min
